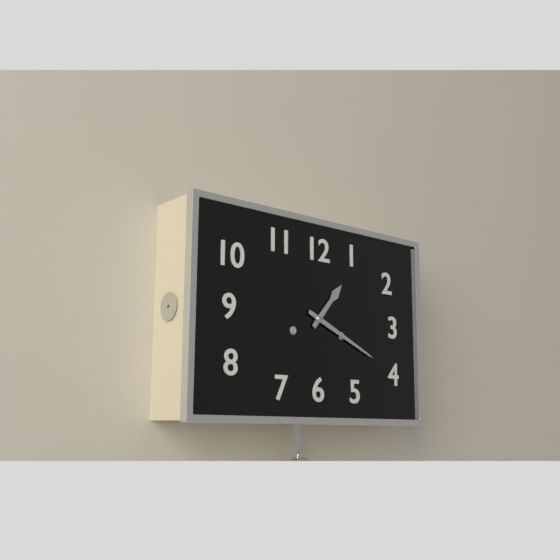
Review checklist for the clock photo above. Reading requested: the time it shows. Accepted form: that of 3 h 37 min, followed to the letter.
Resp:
1 h 19 min
